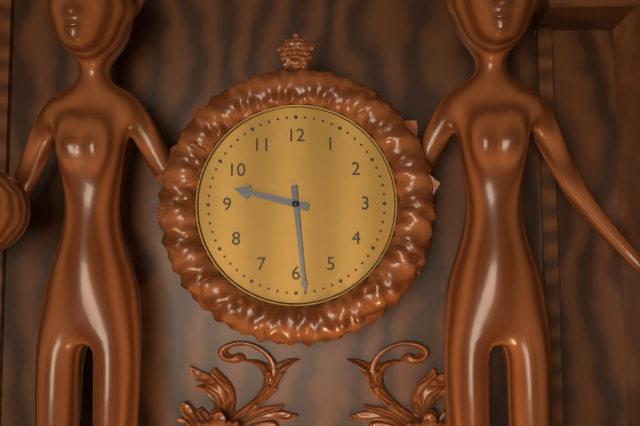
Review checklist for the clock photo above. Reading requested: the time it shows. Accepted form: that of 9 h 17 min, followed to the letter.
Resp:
9 h 29 min
